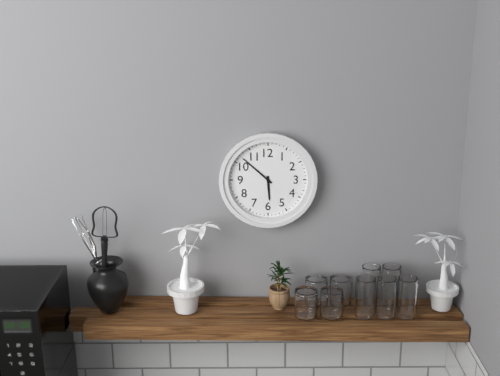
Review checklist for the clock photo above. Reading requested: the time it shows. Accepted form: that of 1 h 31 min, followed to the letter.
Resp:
5 h 52 min
